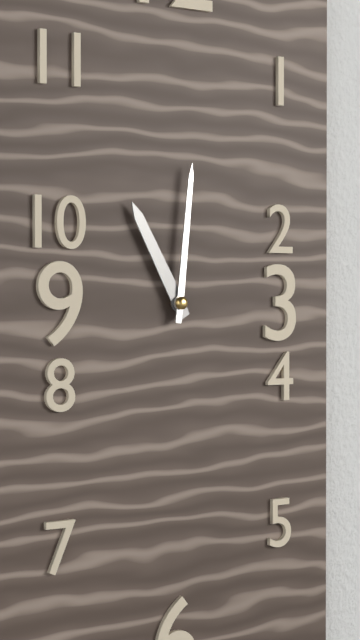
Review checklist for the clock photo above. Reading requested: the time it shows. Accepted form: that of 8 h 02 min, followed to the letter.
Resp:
11 h 01 min
